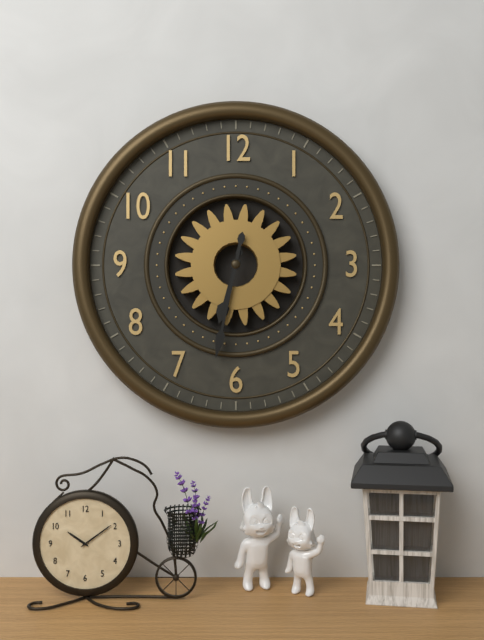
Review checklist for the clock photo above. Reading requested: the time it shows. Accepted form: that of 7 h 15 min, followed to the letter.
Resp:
6 h 32 min
